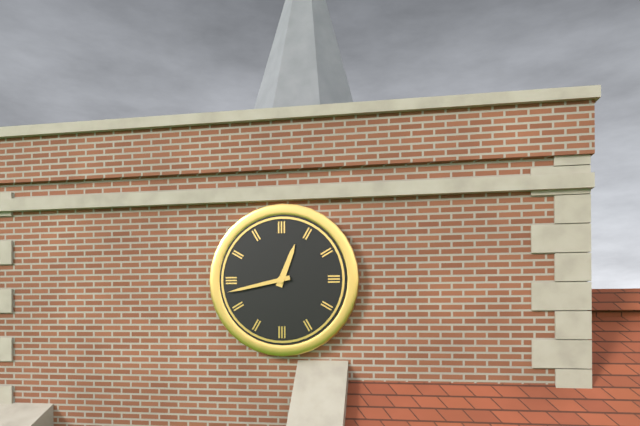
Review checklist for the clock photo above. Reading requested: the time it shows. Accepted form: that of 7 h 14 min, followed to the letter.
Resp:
12 h 43 min
